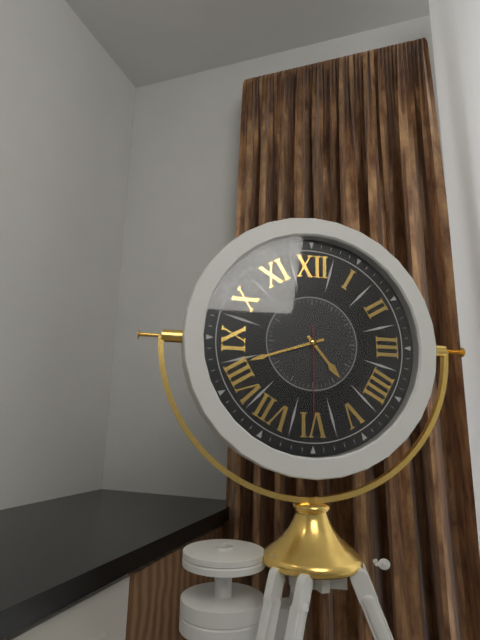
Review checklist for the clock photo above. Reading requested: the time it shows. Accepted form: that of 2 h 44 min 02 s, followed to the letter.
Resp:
4 h 42 min 30 s
